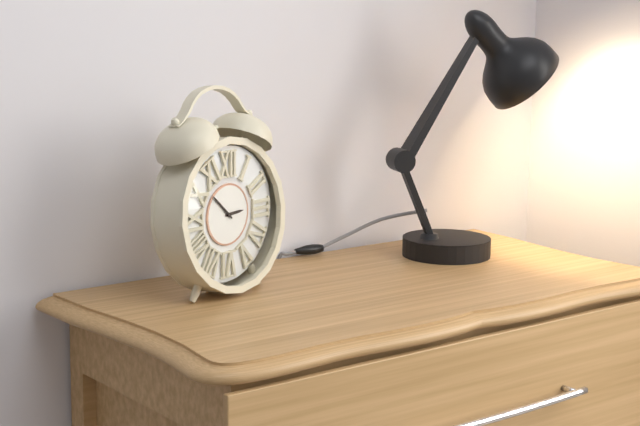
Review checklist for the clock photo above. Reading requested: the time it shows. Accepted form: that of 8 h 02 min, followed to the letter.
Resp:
2 h 52 min
